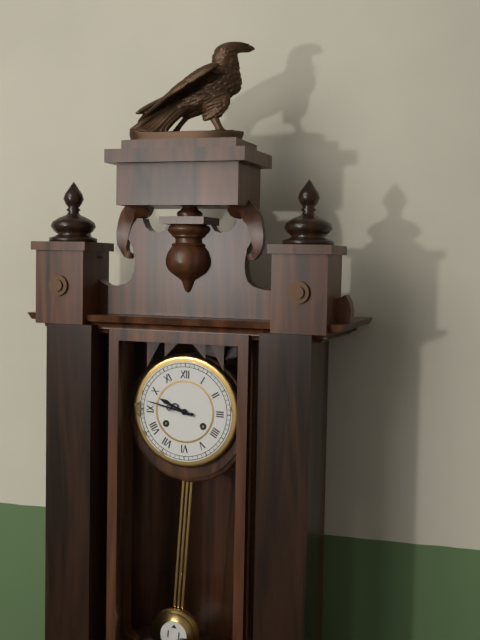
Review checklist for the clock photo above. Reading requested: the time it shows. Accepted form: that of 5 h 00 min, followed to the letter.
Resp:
9 h 47 min
